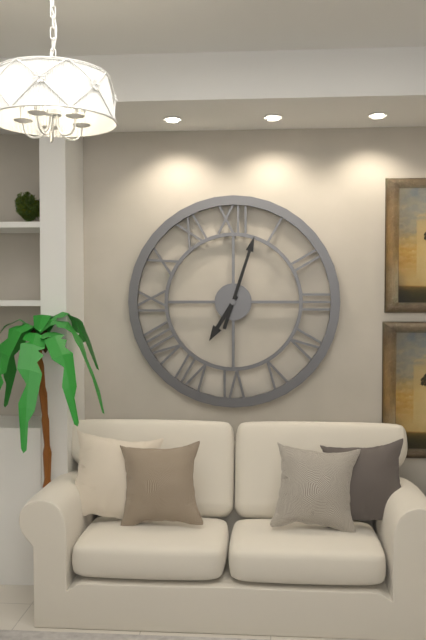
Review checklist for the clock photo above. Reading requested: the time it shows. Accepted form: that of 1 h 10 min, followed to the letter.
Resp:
7 h 03 min
